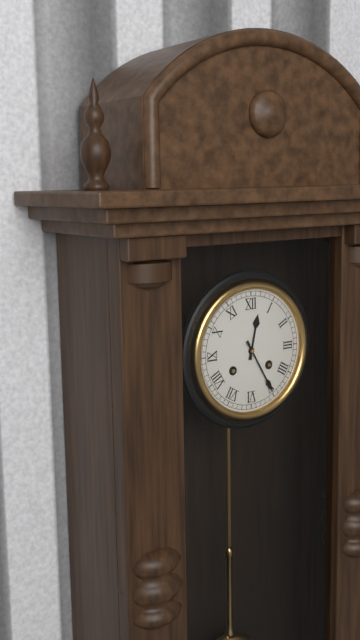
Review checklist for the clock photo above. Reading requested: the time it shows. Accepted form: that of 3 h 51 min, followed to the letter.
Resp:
12 h 25 min
